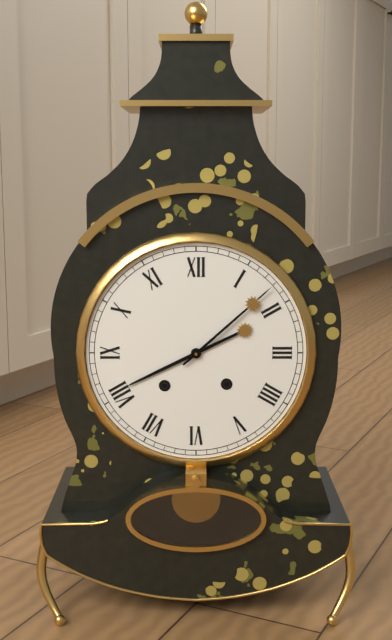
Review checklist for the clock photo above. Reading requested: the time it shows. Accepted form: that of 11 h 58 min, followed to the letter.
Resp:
8 h 08 min
